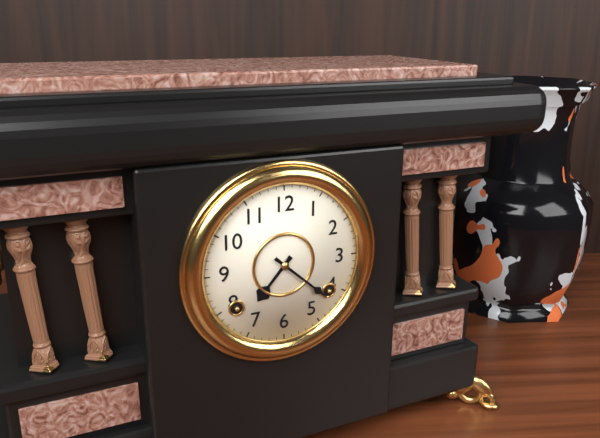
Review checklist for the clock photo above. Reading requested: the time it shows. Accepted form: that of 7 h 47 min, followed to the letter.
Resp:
7 h 22 min
